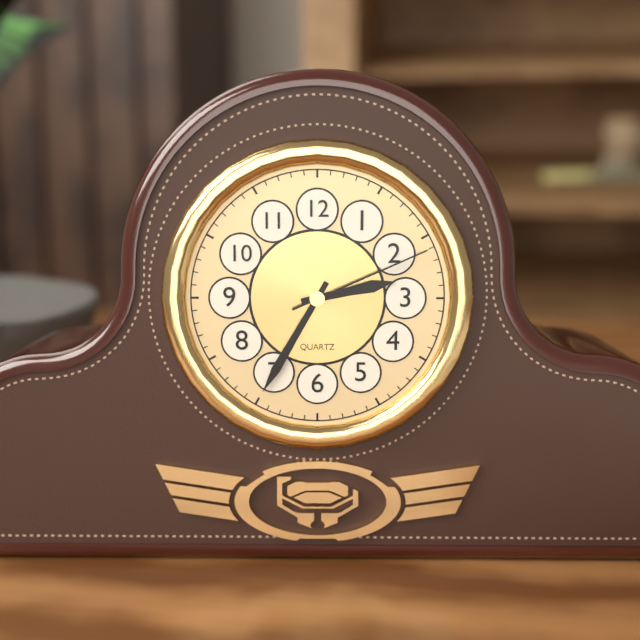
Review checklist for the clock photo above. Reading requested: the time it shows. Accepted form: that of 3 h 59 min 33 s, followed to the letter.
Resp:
2 h 35 min 11 s
